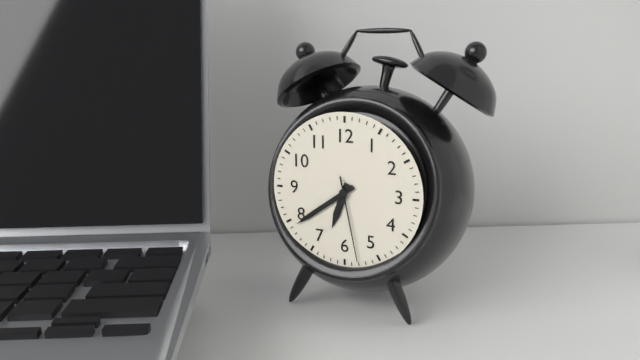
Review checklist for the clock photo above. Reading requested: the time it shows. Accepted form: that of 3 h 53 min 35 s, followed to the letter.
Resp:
6 h 39 min 28 s
